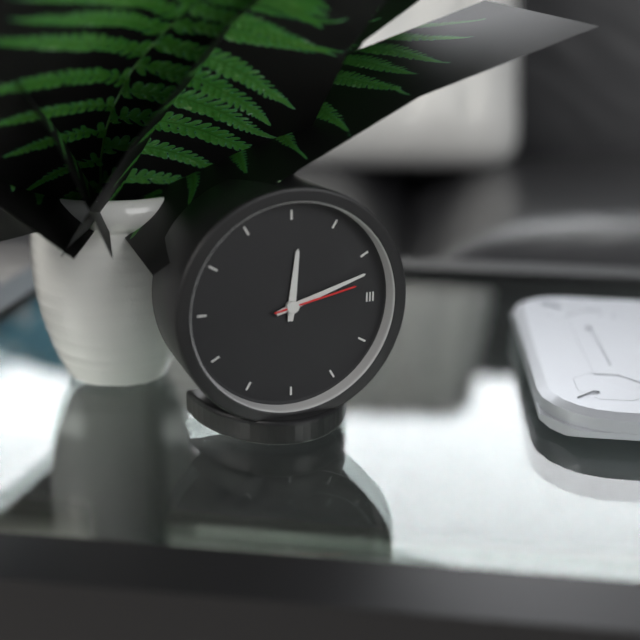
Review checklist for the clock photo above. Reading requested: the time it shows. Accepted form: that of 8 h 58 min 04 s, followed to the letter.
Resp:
12 h 12 min 13 s
